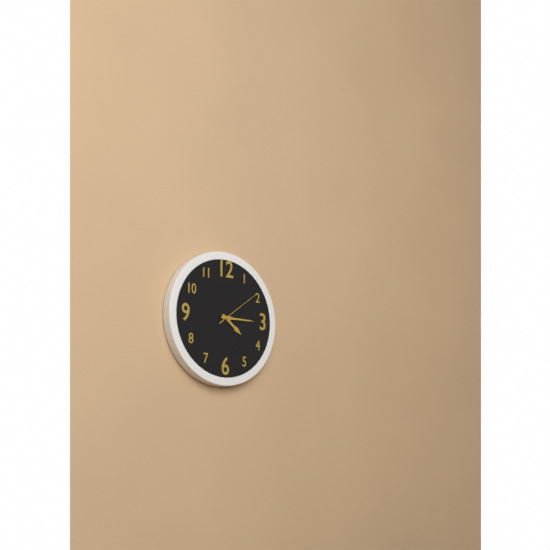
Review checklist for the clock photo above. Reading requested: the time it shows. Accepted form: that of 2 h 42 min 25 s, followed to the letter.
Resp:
4 h 15 min 09 s
